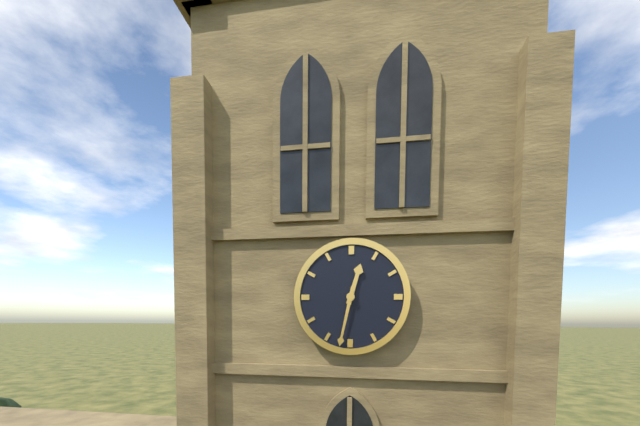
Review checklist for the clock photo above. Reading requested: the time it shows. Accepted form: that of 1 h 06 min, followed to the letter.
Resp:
12 h 32 min
